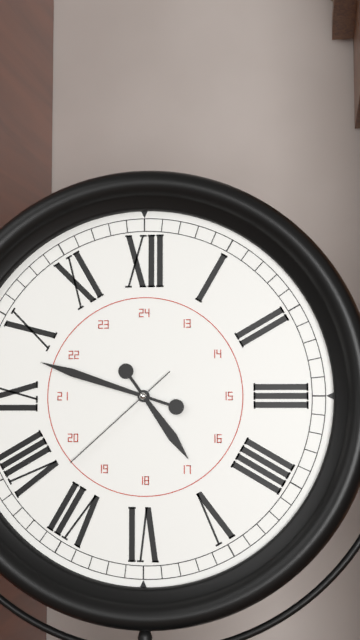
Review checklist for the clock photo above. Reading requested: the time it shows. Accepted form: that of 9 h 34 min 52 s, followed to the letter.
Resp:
4 h 48 min 38 s
